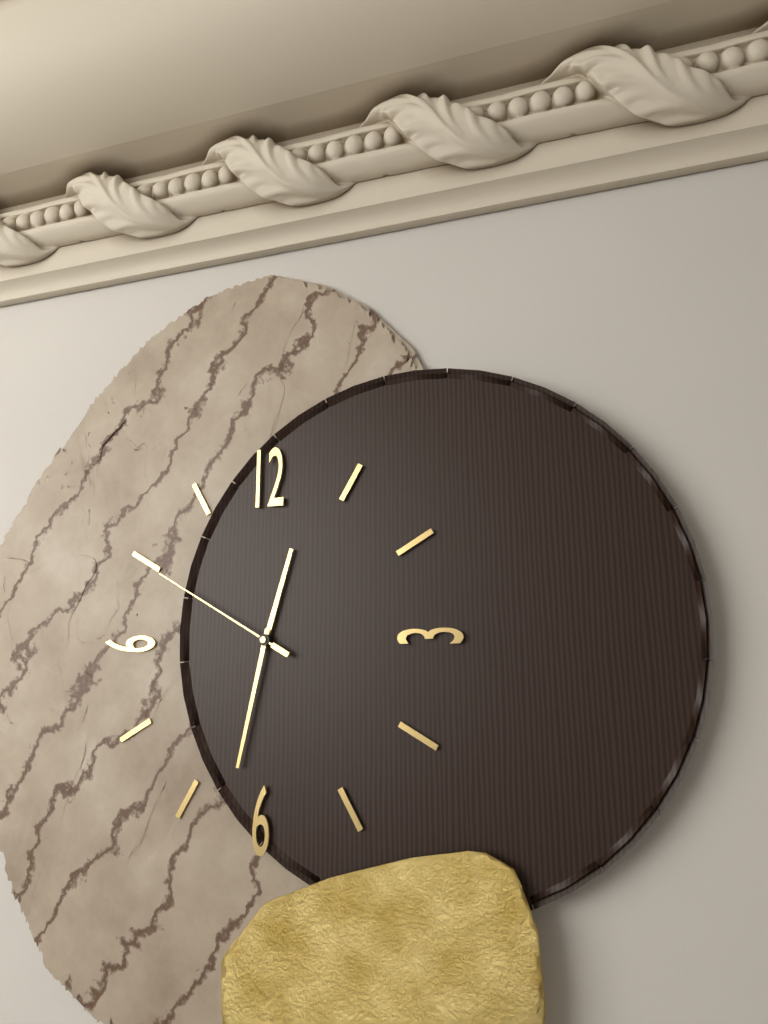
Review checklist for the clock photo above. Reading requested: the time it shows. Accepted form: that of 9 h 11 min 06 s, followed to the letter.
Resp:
12 h 32 min 50 s
